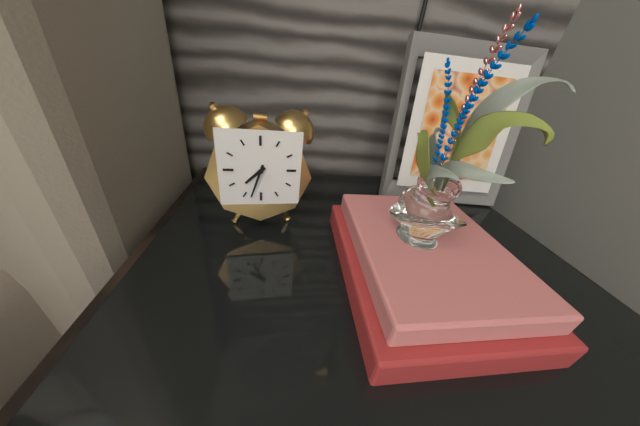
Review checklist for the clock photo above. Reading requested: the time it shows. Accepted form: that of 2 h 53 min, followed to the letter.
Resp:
7 h 33 min
